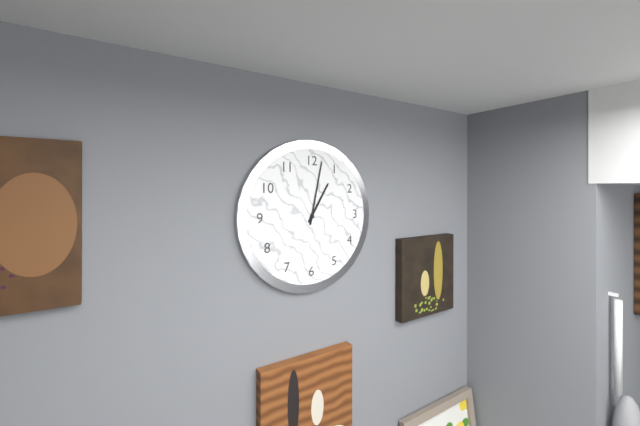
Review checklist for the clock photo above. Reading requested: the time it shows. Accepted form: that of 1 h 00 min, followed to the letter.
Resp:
1 h 02 min
